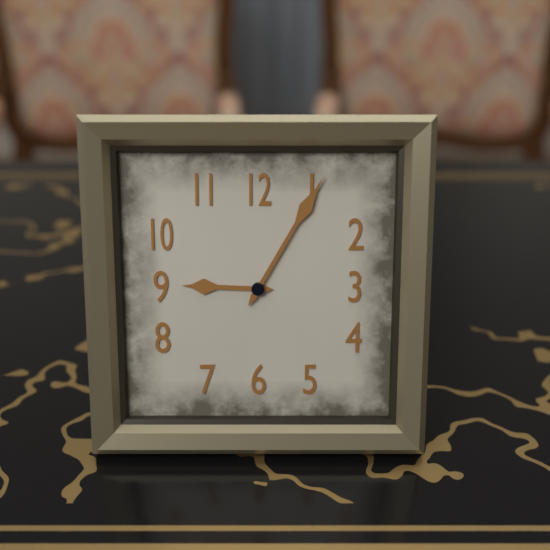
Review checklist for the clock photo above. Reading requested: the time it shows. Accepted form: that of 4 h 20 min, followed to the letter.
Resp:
9 h 05 min
